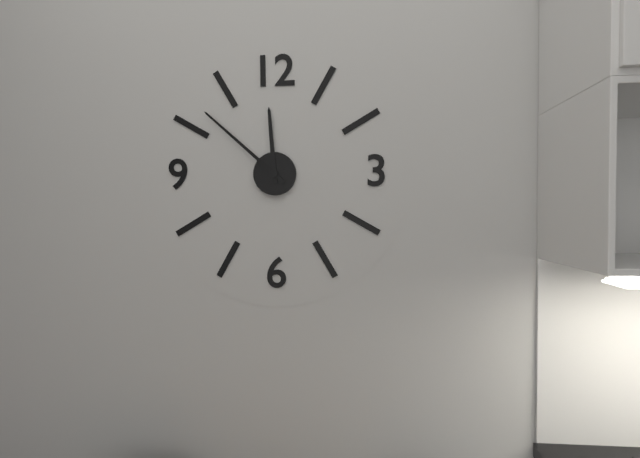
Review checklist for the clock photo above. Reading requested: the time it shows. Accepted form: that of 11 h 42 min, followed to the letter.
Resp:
11 h 52 min
